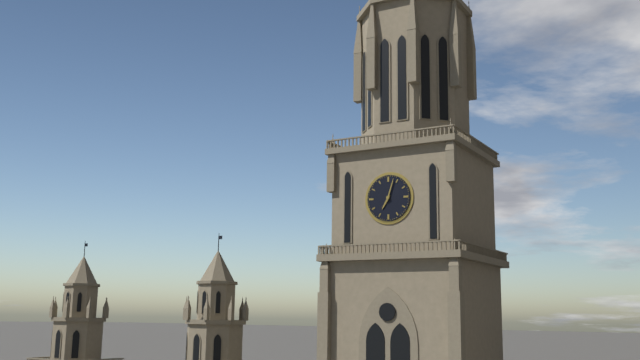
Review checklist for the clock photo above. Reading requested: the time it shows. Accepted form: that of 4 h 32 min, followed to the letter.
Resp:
7 h 03 min
